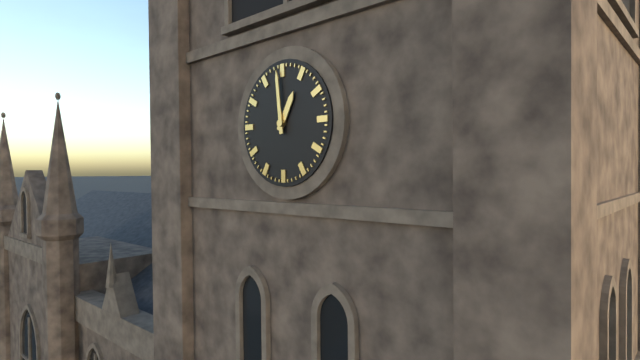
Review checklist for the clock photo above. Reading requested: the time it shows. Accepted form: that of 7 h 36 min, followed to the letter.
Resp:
12 h 59 min
